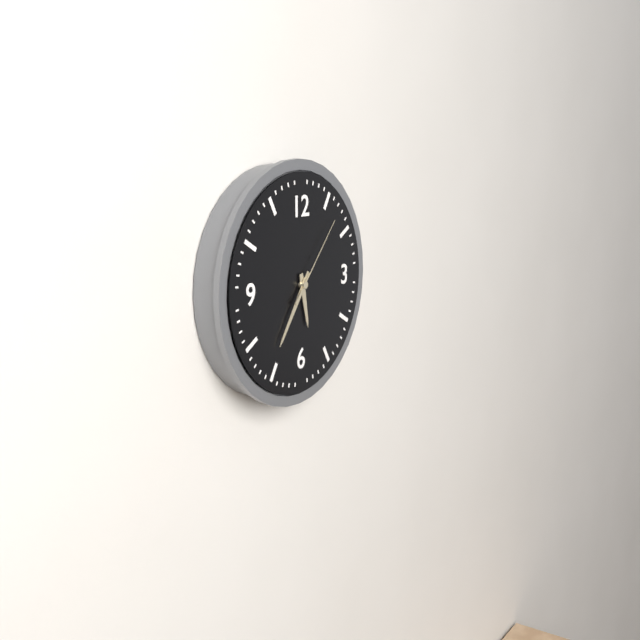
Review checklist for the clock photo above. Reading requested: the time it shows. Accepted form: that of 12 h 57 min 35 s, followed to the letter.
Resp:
5 h 36 min 07 s
